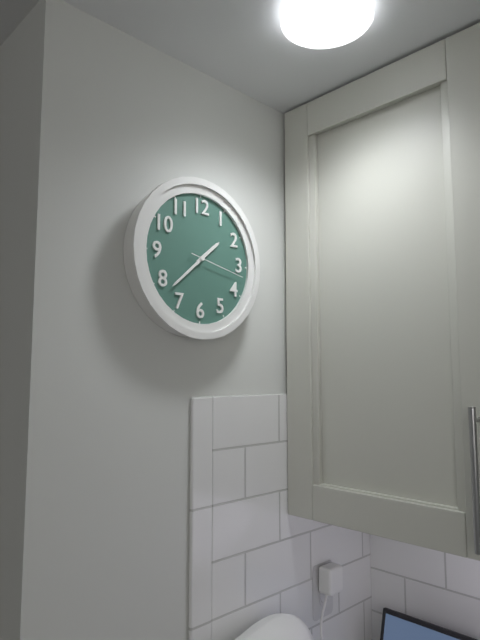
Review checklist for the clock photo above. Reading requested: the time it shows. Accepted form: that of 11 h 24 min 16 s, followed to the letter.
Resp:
1 h 38 min 17 s
